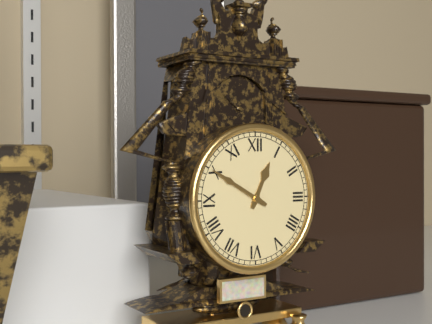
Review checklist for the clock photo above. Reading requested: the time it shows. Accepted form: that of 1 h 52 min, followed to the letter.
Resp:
12 h 50 min
